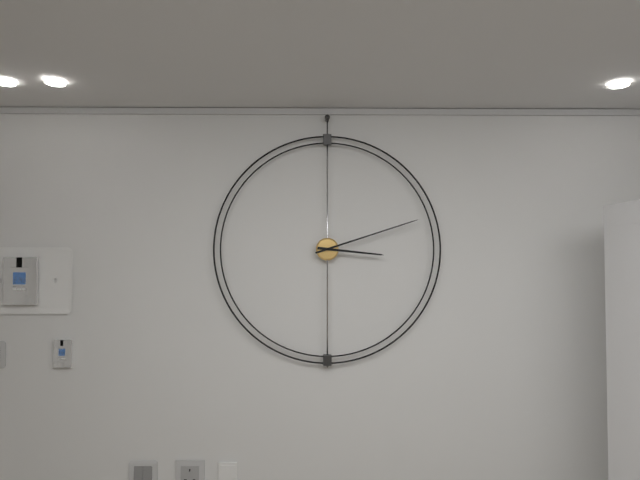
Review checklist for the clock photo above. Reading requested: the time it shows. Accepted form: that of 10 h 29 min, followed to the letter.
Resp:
3 h 12 min
